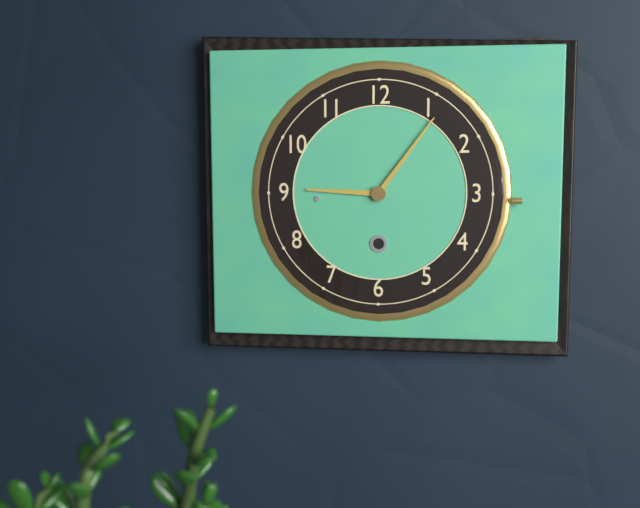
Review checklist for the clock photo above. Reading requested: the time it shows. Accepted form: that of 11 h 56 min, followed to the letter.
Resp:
9 h 06 min
